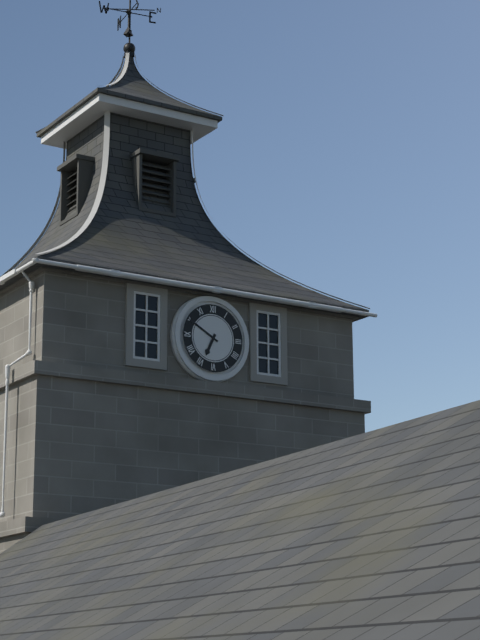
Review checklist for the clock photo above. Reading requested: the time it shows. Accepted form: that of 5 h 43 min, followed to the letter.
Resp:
6 h 50 min
